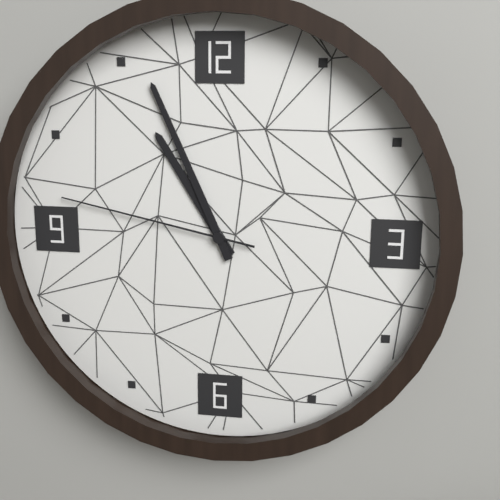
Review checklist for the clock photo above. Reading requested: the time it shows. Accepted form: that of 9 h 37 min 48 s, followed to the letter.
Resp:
10 h 56 min 47 s
